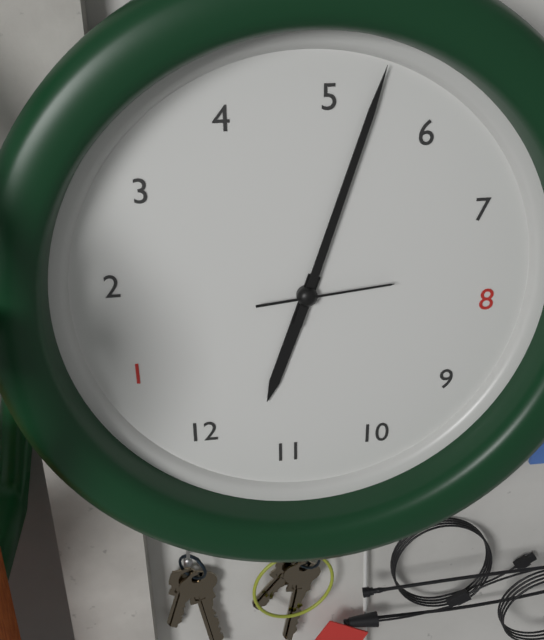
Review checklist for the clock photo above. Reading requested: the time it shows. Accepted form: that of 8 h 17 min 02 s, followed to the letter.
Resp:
11 h 27 min 38 s
